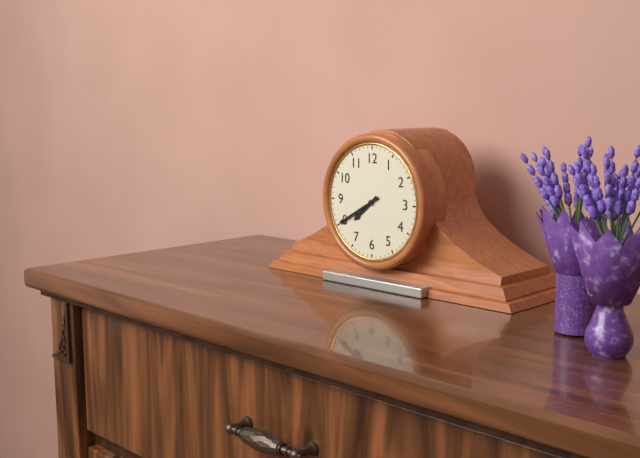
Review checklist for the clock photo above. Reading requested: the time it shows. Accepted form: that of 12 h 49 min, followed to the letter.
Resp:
7 h 40 min
